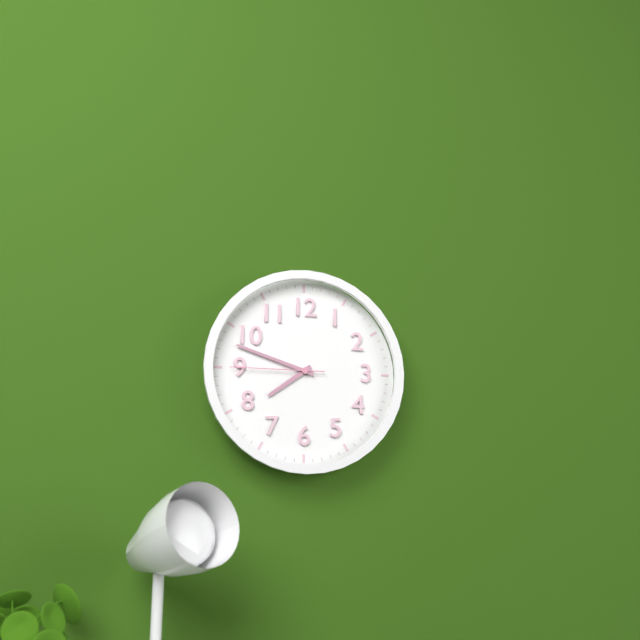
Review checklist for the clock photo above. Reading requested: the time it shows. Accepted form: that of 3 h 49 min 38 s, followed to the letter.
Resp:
7 h 48 min 45 s
